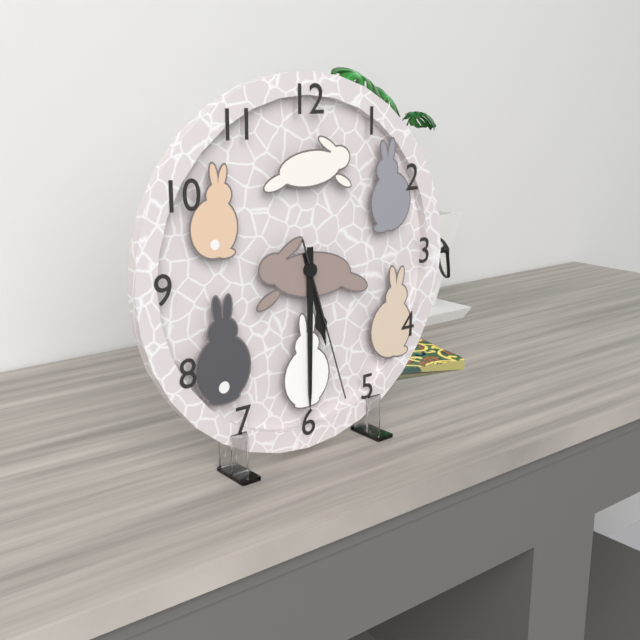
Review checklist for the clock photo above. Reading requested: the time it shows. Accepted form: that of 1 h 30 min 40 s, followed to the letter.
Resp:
5 h 30 min 27 s
